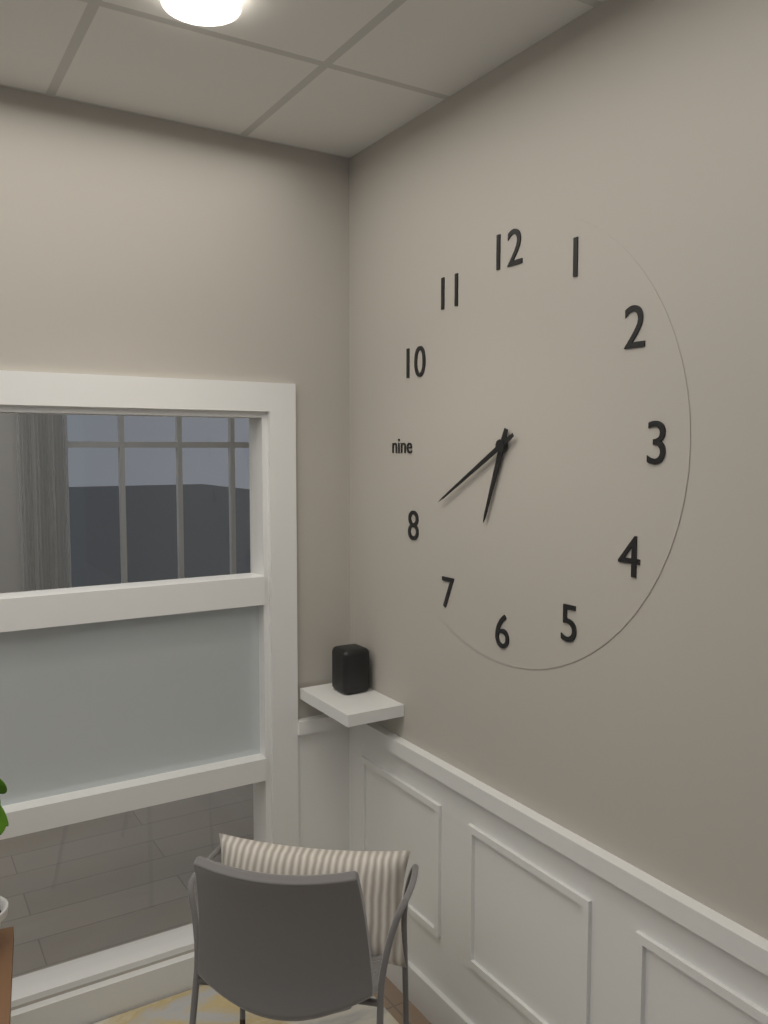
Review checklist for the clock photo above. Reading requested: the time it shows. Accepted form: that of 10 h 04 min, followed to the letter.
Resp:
6 h 40 min
